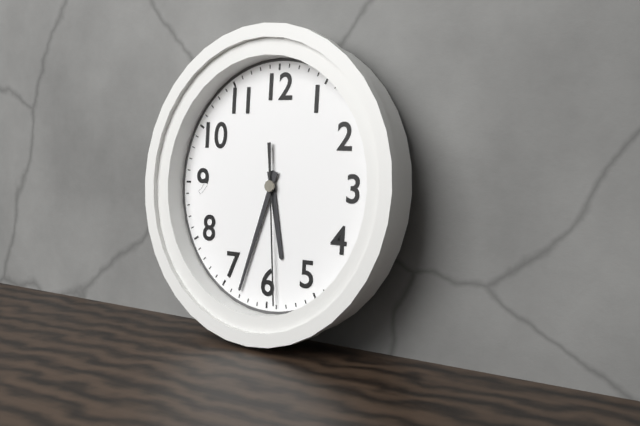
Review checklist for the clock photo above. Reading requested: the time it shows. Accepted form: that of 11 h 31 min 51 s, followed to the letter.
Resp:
5 h 33 min 29 s
